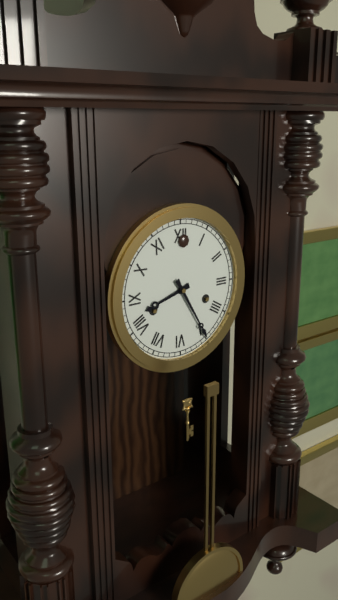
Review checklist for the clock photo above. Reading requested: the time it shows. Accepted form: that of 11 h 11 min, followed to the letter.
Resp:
8 h 25 min
